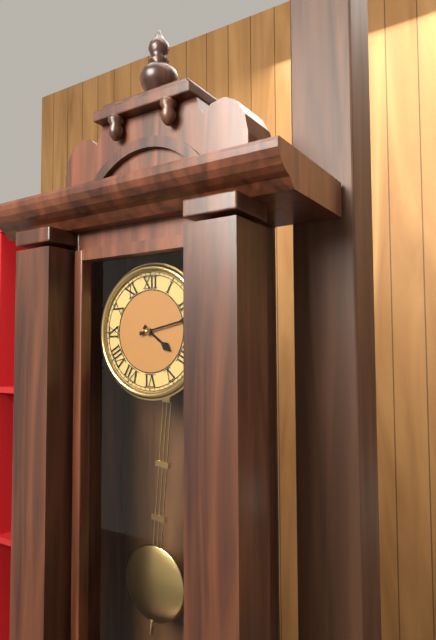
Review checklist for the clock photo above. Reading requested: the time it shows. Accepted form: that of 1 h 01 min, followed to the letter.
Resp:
4 h 13 min
